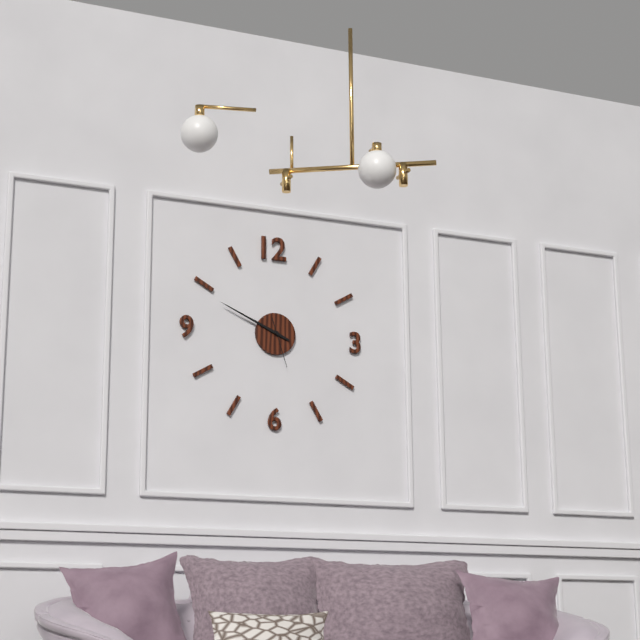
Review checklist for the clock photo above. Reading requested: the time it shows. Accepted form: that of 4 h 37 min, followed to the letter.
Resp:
9 h 49 min
